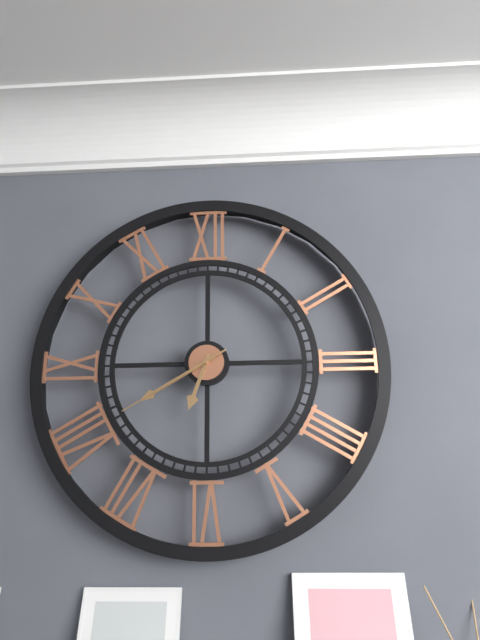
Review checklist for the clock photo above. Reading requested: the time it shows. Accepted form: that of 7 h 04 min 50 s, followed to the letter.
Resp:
6 h 40 min 40 s
